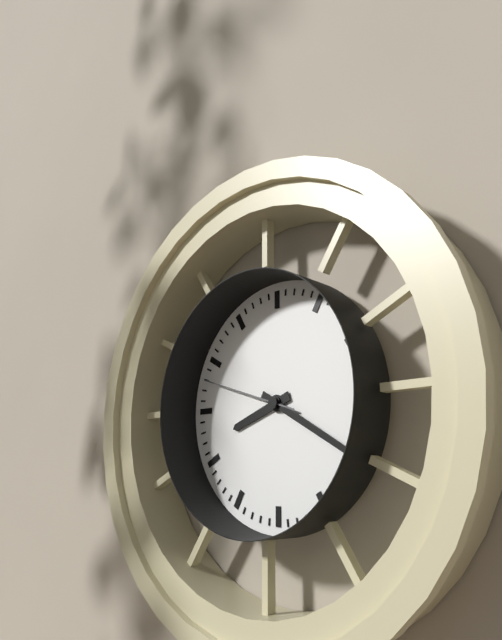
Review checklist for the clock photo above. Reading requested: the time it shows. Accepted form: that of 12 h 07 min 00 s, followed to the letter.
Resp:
8 h 20 min 48 s
